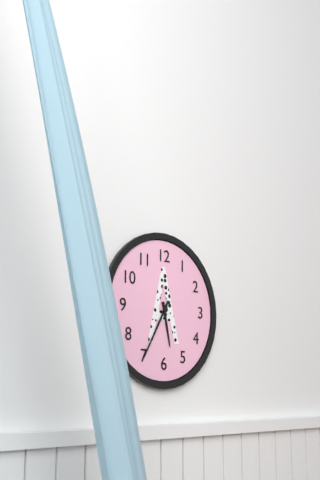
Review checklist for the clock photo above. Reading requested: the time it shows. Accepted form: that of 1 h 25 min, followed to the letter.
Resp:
5 h 35 min
